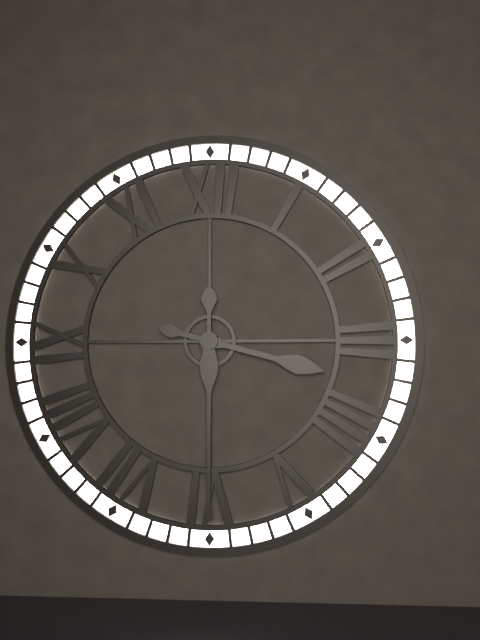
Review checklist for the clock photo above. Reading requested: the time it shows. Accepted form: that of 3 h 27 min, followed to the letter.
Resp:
3 h 30 min
